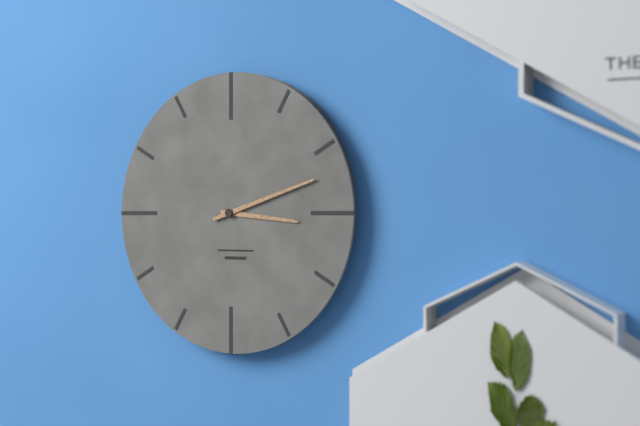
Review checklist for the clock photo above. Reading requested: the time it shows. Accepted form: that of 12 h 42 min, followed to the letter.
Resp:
3 h 12 min
